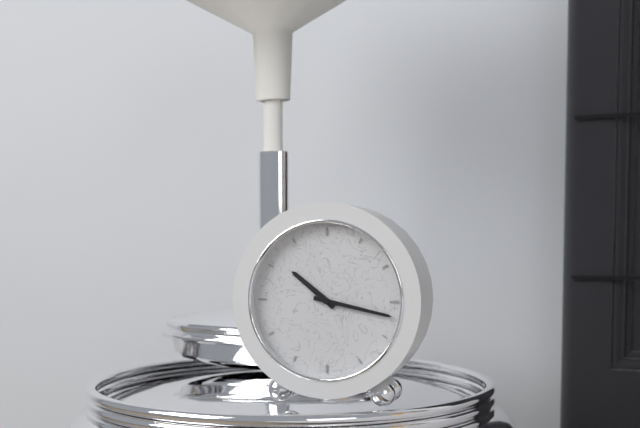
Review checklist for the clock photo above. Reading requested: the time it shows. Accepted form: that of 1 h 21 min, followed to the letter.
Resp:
10 h 17 min
